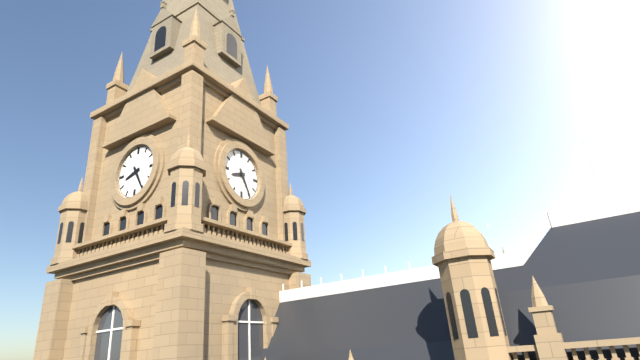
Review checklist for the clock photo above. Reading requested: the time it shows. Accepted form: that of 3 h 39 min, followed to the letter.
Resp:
8 h 25 min
